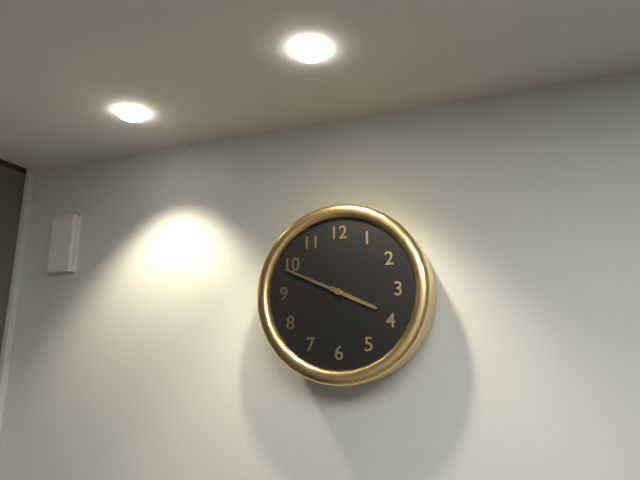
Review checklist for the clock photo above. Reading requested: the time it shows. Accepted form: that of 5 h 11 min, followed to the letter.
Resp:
3 h 49 min
